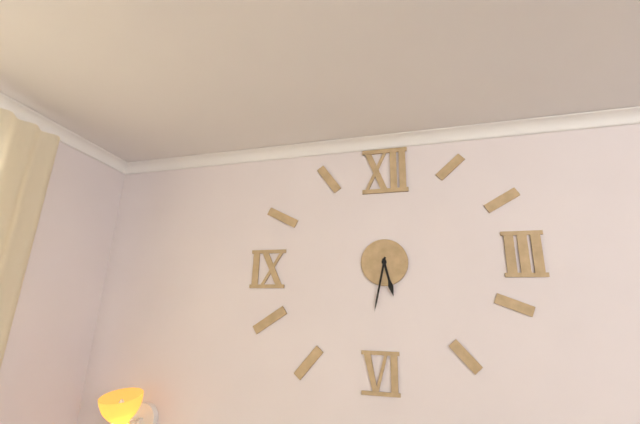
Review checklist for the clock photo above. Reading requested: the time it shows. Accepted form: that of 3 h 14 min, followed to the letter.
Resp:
5 h 32 min
